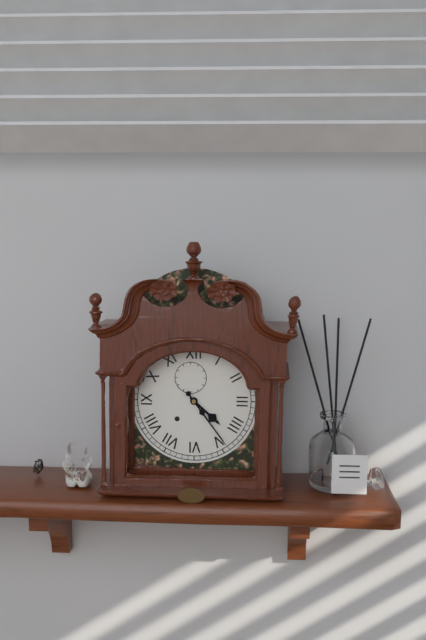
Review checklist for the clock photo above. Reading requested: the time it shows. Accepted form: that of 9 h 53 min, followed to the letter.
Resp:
4 h 24 min
